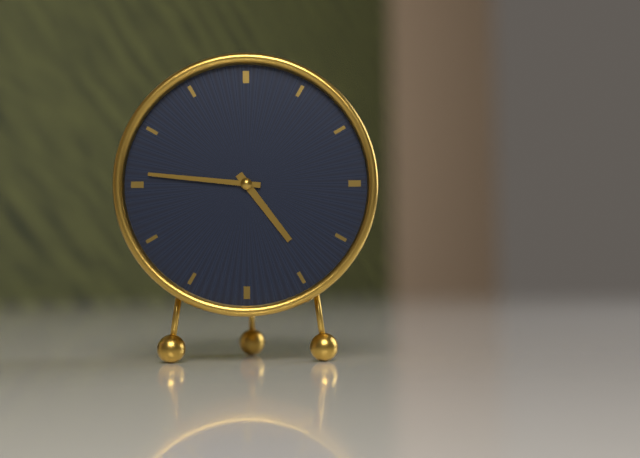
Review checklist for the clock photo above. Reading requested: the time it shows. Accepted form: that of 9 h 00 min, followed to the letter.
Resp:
4 h 46 min
